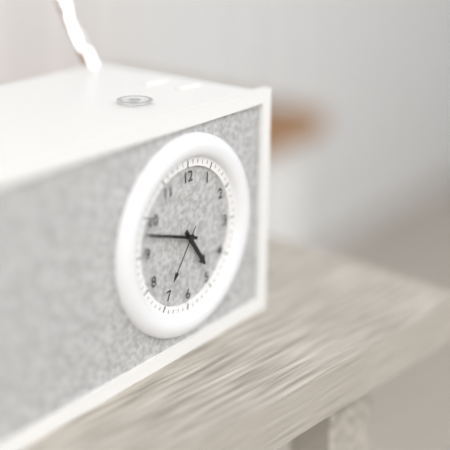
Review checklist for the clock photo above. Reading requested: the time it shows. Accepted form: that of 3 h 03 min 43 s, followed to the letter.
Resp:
4 h 48 min 36 s
